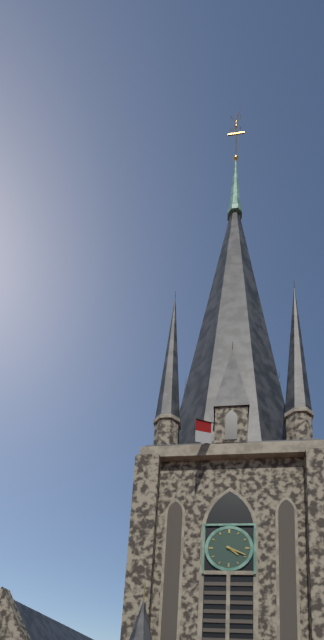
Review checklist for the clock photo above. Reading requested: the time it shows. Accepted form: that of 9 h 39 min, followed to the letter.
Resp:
4 h 19 min
